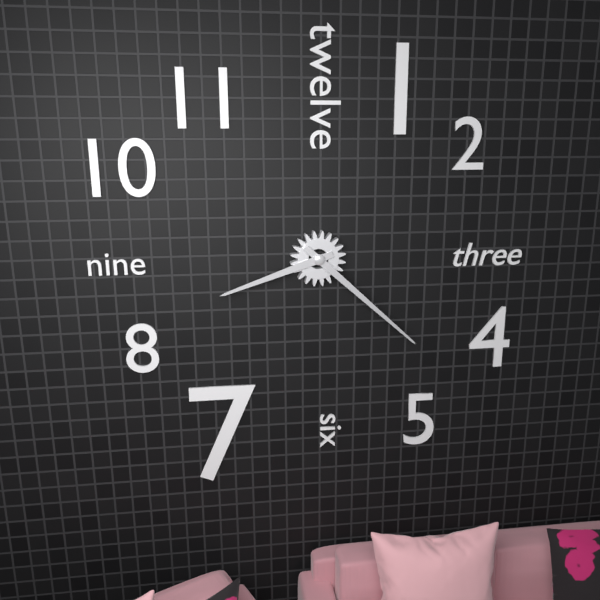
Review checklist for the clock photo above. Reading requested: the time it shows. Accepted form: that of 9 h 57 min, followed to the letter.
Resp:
8 h 22 min
